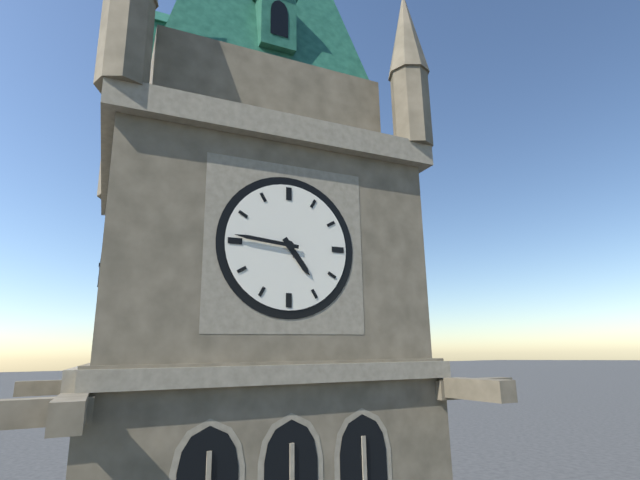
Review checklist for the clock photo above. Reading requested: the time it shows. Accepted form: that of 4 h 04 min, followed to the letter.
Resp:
4 h 46 min
